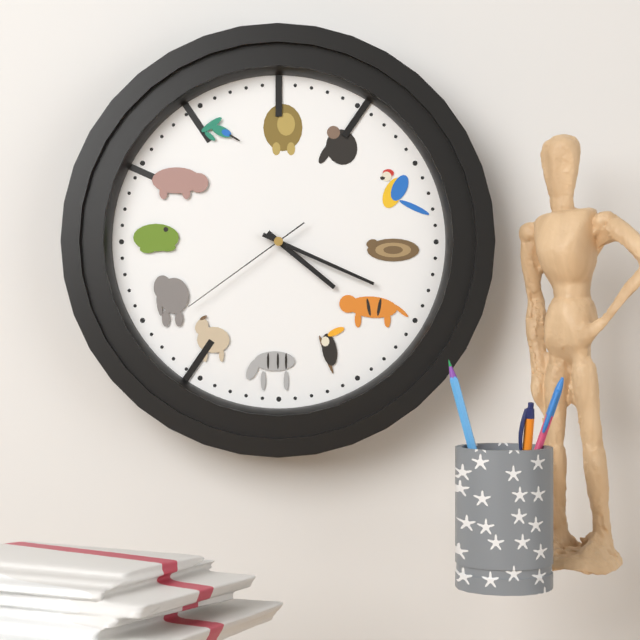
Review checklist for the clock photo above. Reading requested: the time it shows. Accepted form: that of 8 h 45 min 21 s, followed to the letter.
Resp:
4 h 19 min 39 s
